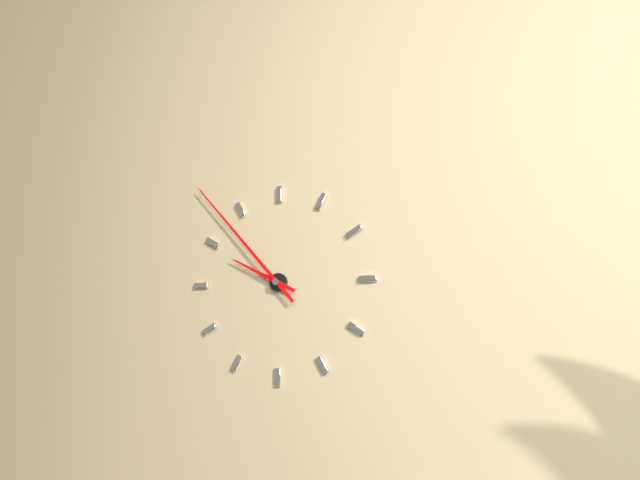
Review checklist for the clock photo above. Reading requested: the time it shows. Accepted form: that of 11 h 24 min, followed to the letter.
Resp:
9 h 53 min
